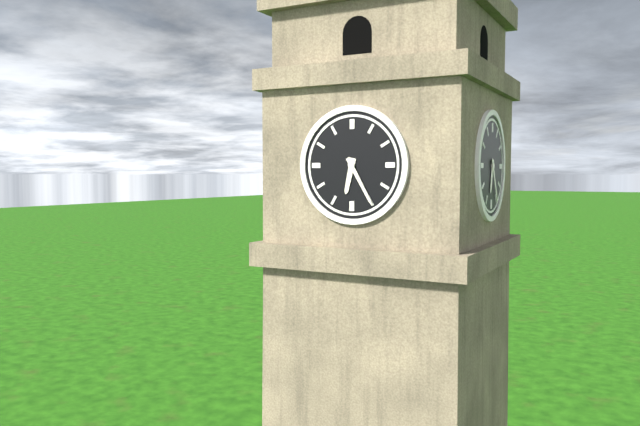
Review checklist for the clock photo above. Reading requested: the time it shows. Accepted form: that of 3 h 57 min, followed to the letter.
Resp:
6 h 25 min
